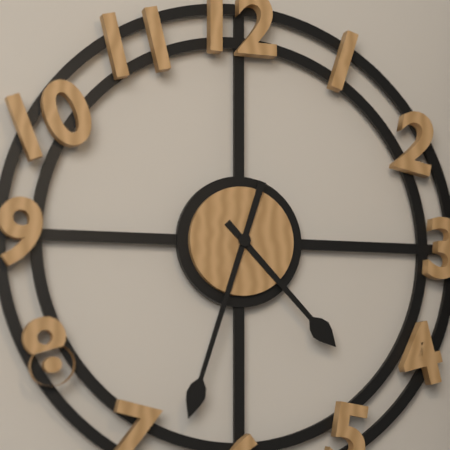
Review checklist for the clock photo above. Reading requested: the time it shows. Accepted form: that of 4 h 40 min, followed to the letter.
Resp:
4 h 33 min
